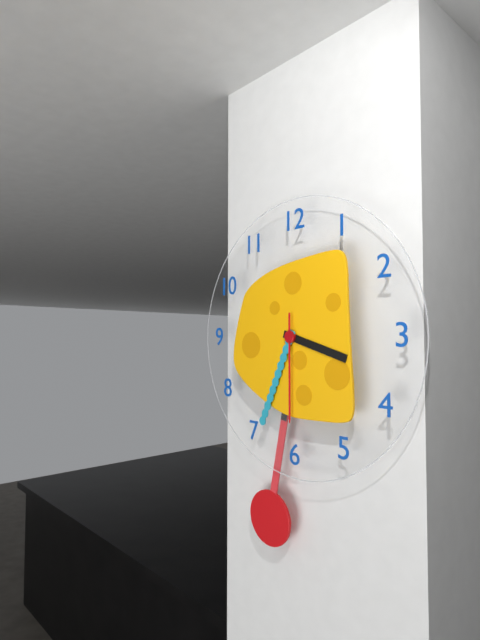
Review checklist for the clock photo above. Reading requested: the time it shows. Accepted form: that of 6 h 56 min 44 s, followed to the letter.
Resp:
3 h 34 min 30 s
